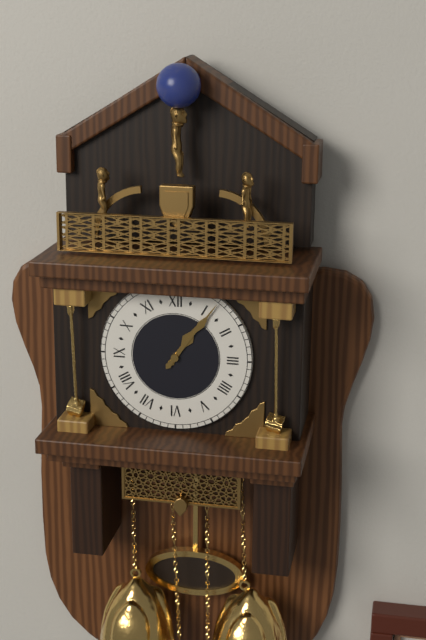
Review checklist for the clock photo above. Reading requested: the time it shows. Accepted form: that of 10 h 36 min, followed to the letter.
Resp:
1 h 06 min
